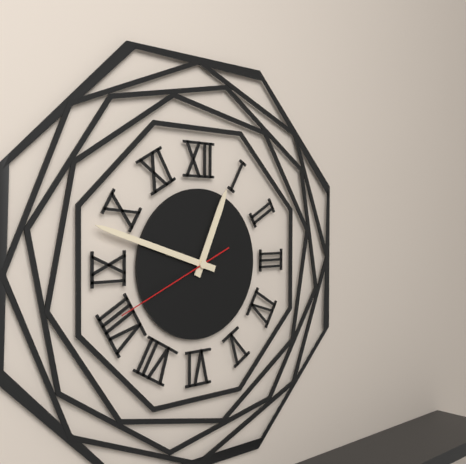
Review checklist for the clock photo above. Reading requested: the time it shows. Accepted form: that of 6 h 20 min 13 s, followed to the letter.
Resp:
12 h 48 min 41 s
